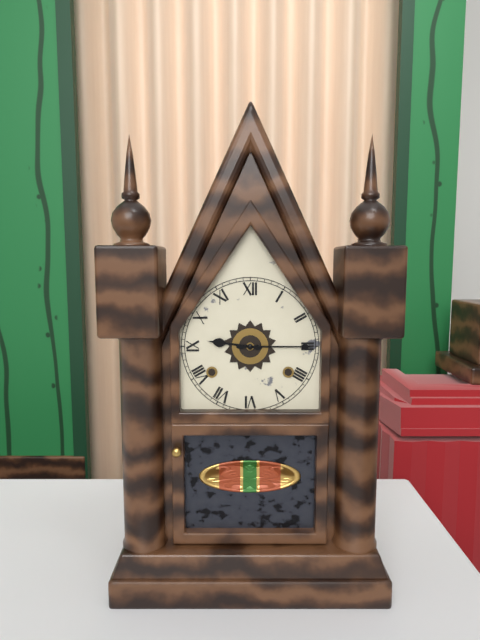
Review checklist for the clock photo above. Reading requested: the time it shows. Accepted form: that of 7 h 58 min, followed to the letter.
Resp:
9 h 15 min
